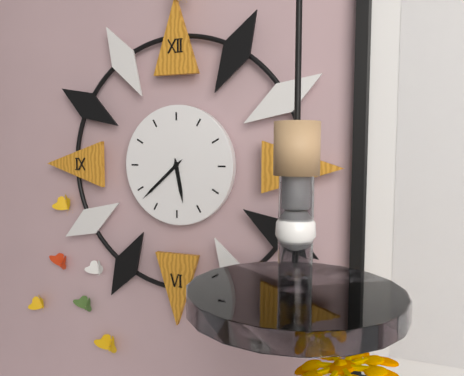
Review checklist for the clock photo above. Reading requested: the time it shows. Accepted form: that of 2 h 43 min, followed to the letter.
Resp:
5 h 38 min
